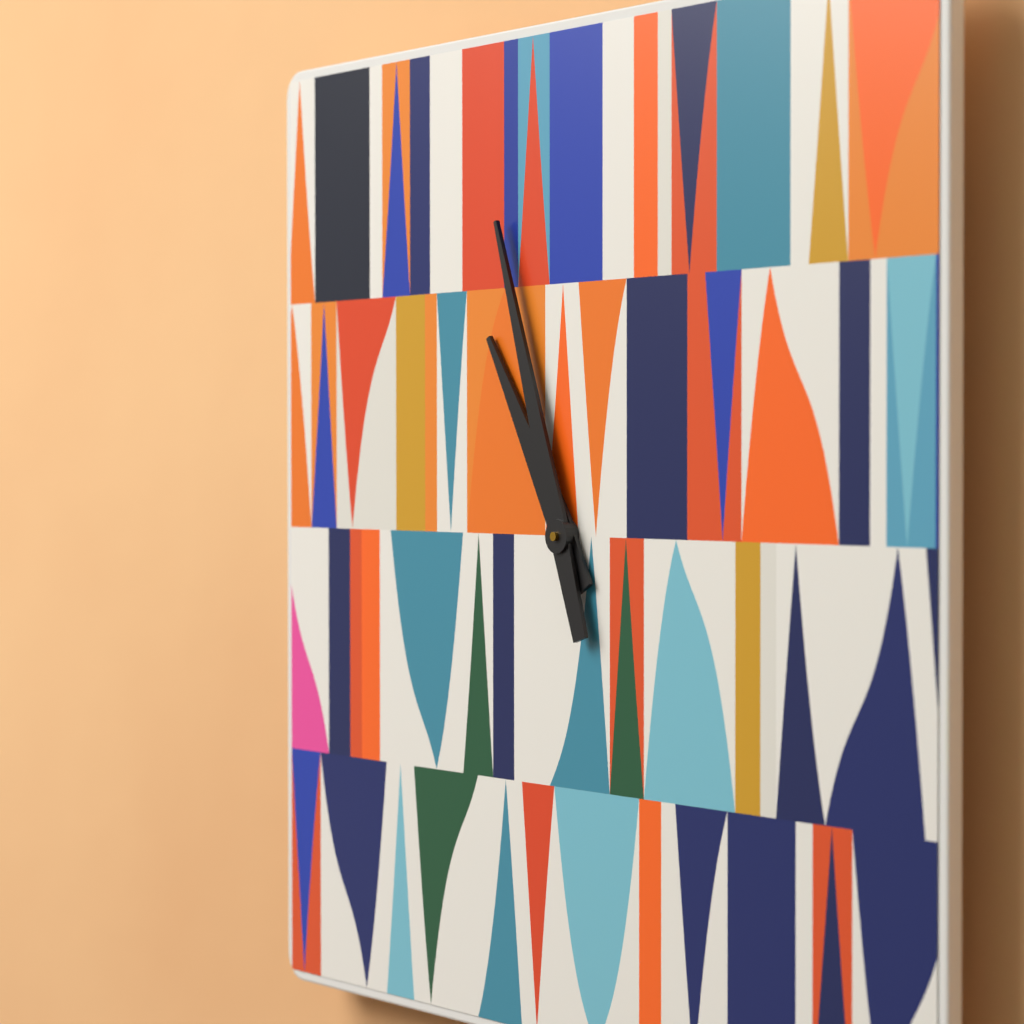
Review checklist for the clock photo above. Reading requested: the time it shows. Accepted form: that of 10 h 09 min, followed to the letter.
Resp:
10 h 57 min
